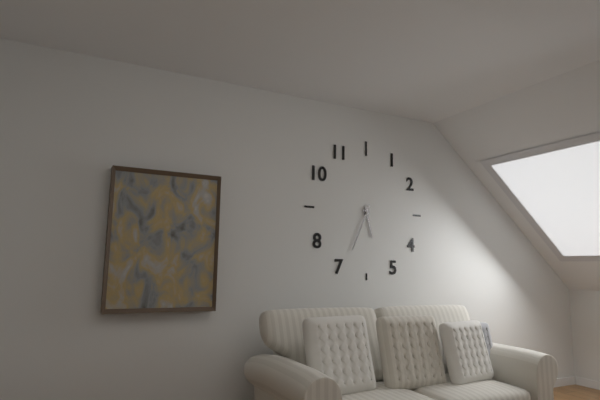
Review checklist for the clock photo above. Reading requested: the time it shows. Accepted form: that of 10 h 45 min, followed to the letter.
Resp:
5 h 34 min
